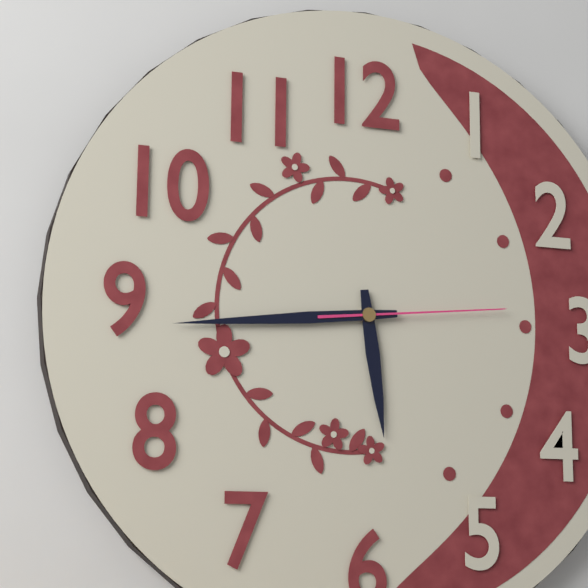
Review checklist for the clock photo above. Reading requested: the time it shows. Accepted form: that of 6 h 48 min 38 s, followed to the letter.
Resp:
5 h 44 min 14 s
